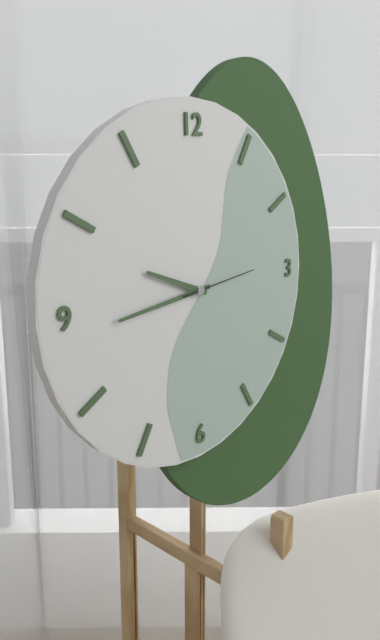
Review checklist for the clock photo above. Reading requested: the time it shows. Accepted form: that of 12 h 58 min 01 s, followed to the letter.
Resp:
9 h 44 min 14 s
